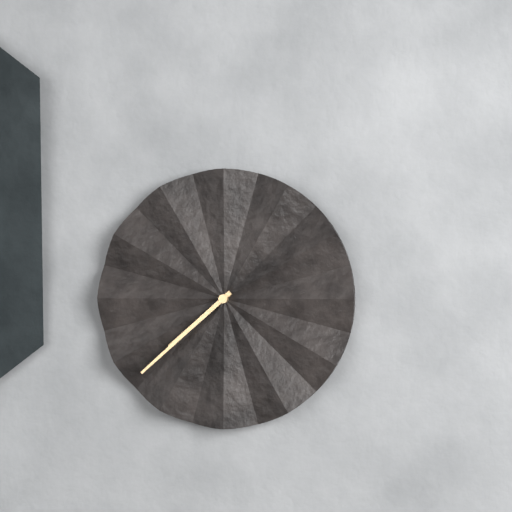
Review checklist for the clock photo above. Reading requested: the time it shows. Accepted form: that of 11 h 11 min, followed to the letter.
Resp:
7 h 38 min
